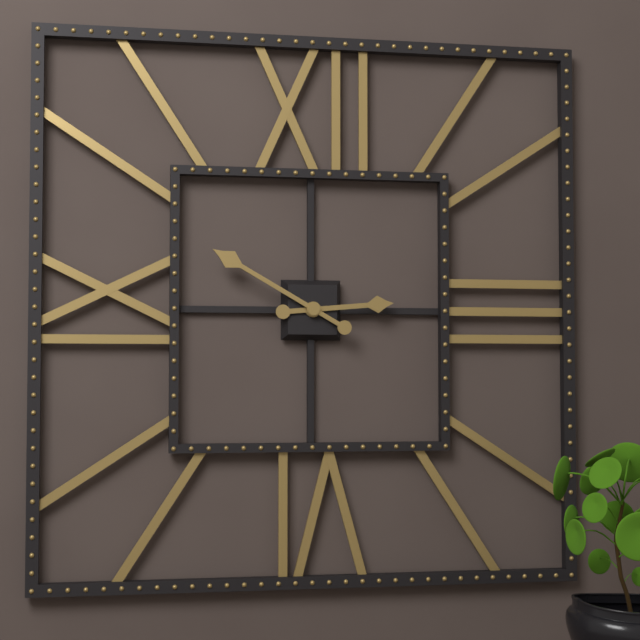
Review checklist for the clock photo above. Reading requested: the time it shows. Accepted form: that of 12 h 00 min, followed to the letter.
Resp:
2 h 50 min
